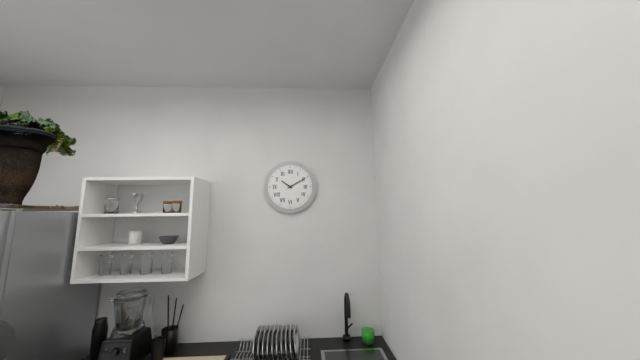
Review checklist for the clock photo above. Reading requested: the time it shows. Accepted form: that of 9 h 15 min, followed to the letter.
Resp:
10 h 10 min
